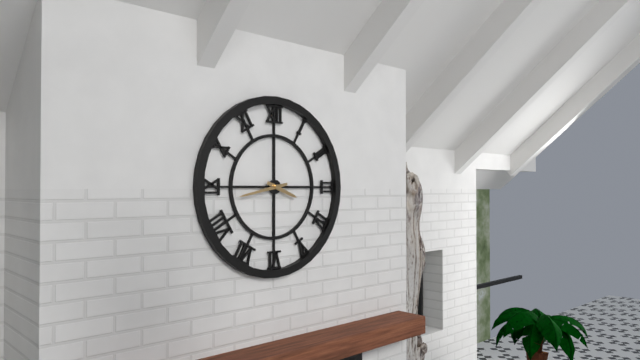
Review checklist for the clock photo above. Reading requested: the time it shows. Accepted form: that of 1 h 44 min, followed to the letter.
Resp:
3 h 43 min
